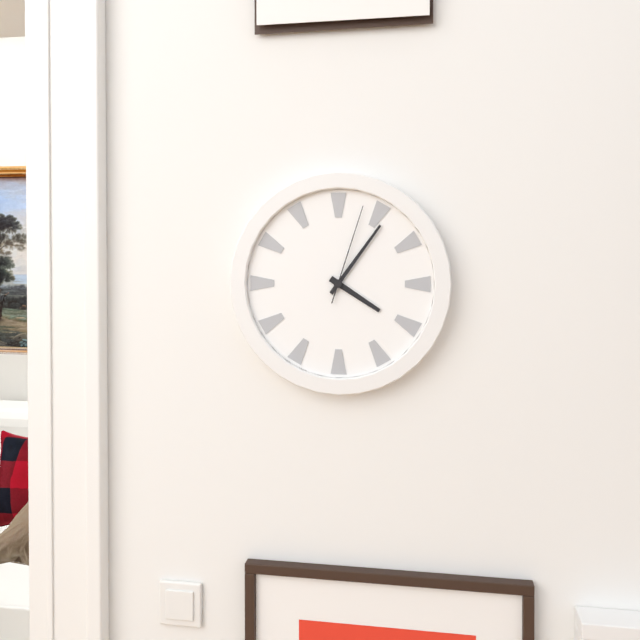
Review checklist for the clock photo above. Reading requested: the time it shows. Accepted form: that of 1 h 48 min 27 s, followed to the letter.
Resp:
4 h 06 min 03 s
